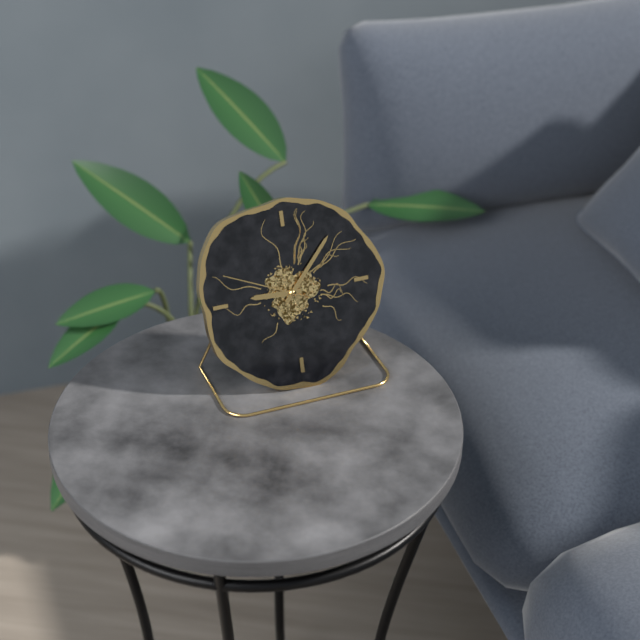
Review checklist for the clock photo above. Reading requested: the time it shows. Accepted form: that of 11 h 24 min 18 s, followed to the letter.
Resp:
9 h 07 min 49 s
